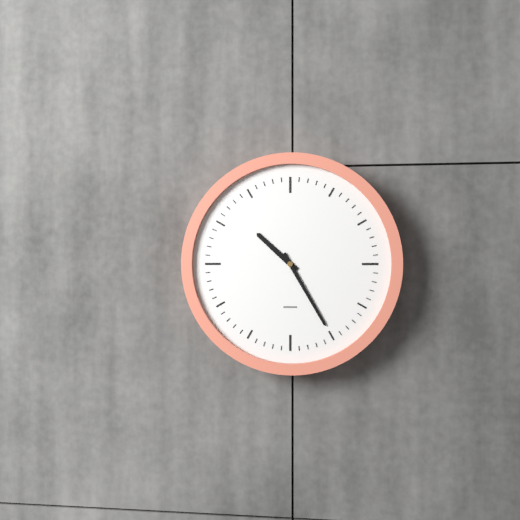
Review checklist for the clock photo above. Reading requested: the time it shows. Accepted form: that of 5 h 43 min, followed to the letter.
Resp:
10 h 25 min
